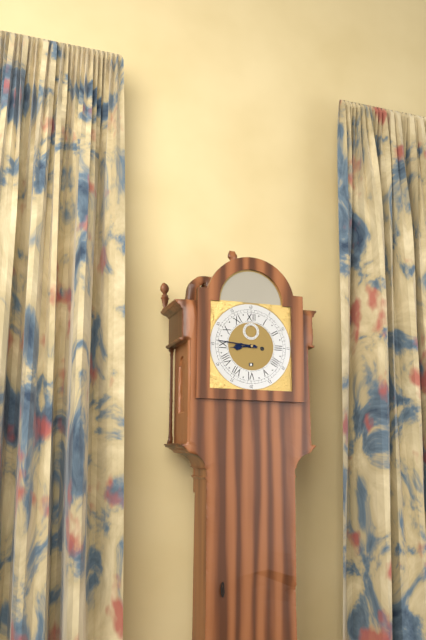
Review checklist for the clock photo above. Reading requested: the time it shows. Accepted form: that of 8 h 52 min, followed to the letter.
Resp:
8 h 46 min
